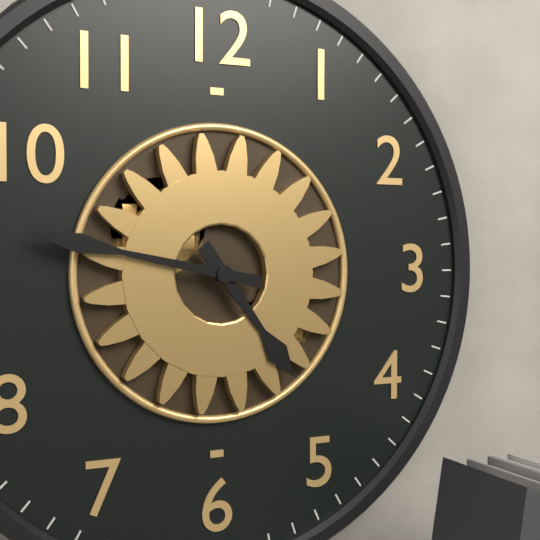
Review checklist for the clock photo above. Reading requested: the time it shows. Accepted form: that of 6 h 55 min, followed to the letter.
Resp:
4 h 47 min
